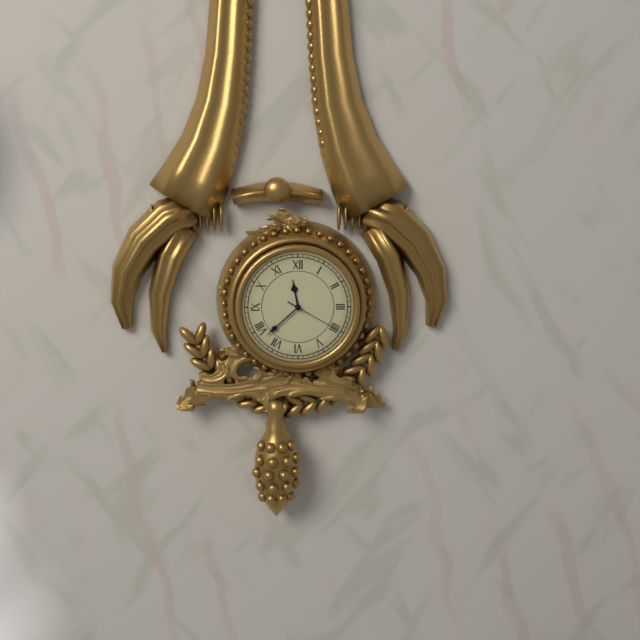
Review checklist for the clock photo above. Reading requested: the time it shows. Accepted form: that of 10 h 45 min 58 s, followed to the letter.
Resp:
11 h 38 min 20 s
